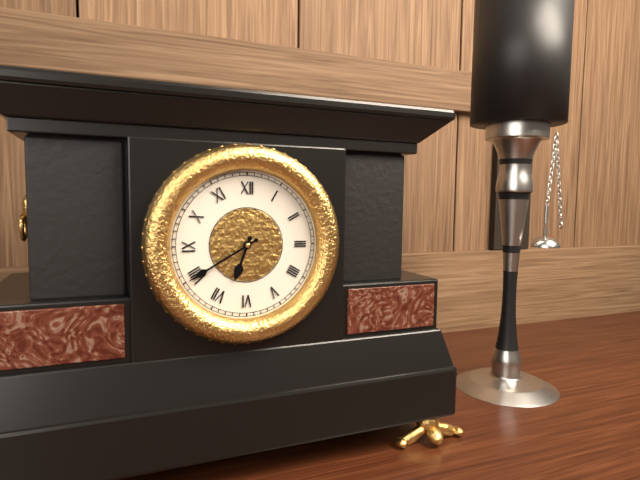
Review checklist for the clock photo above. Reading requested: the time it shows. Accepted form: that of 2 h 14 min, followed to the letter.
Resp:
6 h 40 min
